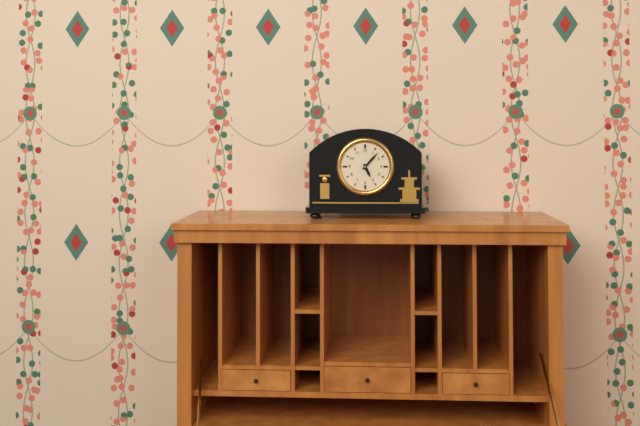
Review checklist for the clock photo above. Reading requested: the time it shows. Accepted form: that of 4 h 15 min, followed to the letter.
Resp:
5 h 07 min
